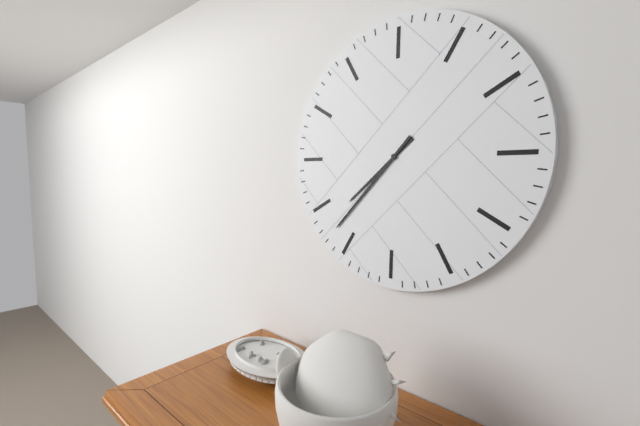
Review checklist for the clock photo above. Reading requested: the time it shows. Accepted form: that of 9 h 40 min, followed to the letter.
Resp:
7 h 37 min
